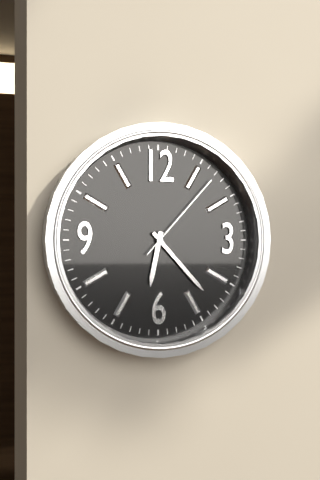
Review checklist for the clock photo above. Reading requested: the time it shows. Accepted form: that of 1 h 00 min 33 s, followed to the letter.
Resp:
6 h 23 min 07 s
